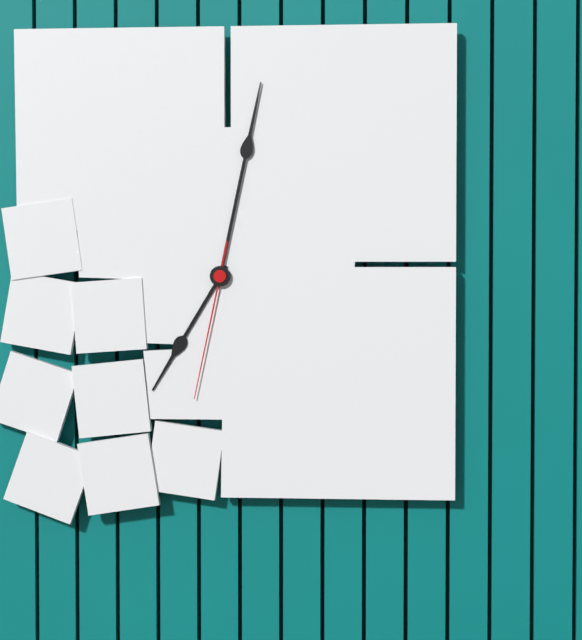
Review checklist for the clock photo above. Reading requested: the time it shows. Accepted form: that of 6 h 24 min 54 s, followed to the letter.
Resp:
7 h 02 min 32 s
